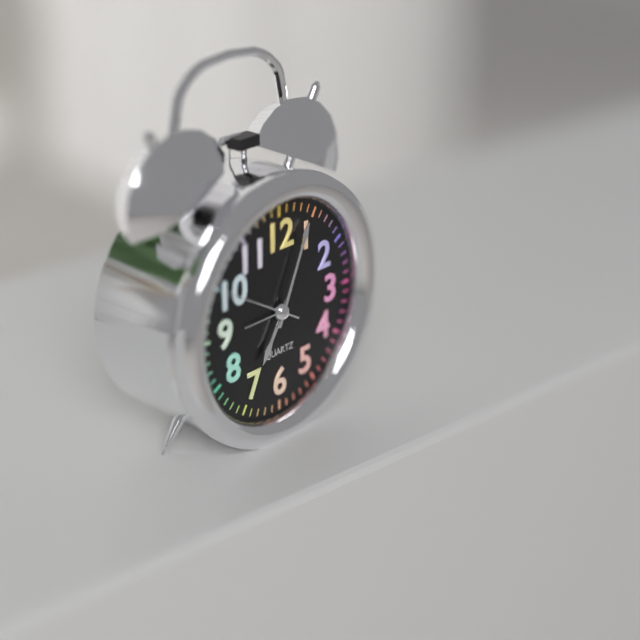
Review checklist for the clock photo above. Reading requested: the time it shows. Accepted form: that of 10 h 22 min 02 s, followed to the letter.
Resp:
7 h 04 min 50 s
